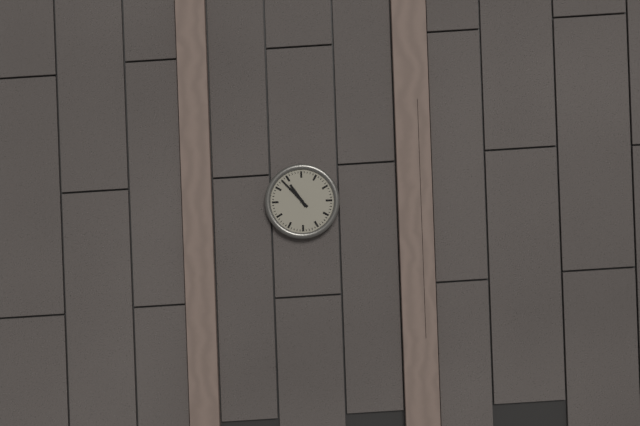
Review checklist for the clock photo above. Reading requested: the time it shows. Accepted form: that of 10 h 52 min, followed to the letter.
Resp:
10 h 53 min
